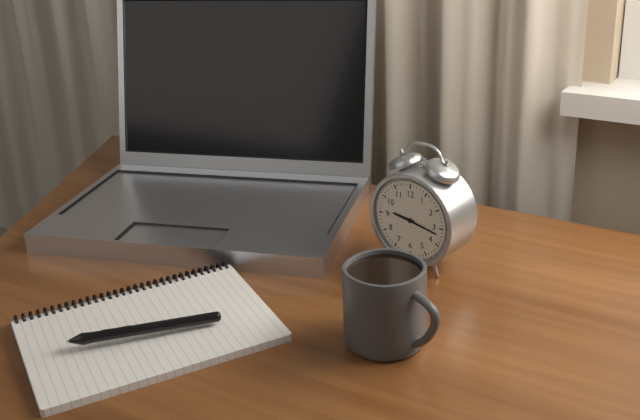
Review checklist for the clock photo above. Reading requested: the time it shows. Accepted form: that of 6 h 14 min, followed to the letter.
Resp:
9 h 17 min
